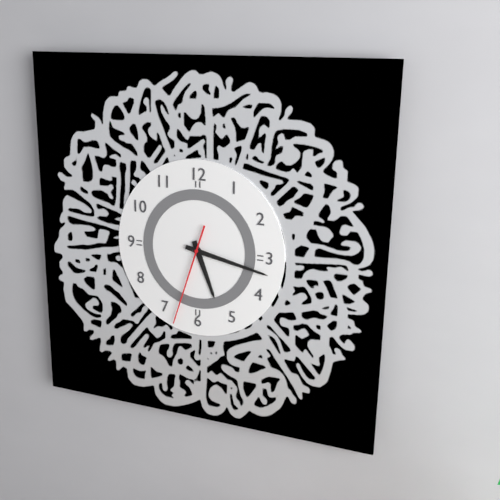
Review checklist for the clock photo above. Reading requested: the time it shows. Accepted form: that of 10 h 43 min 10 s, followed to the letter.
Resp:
5 h 17 min 33 s
